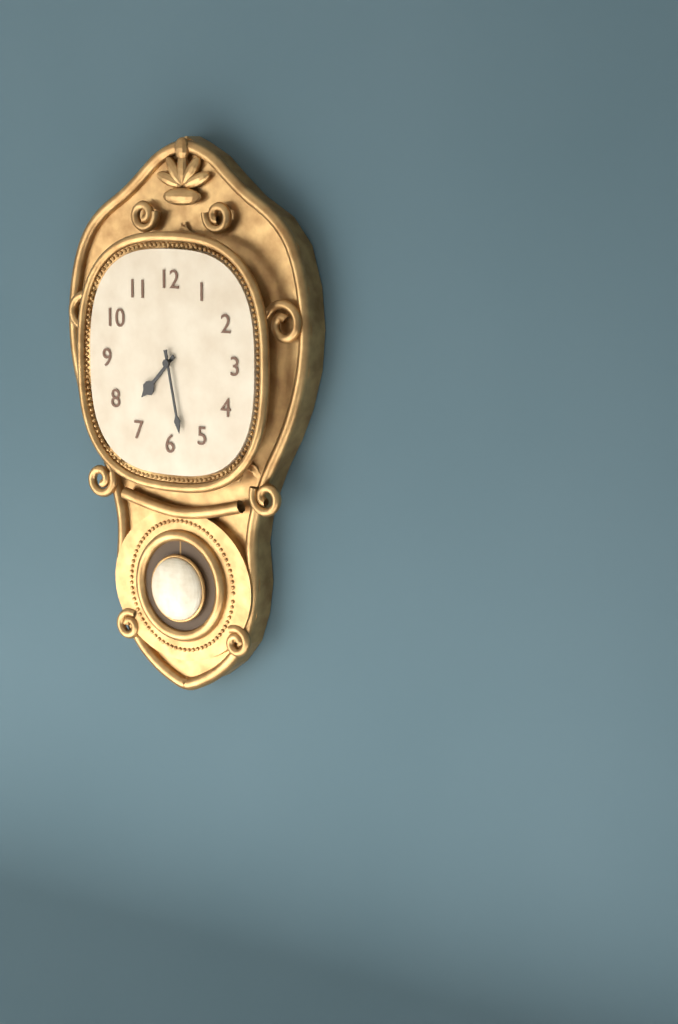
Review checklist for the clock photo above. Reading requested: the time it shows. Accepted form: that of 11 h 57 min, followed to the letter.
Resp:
7 h 28 min
